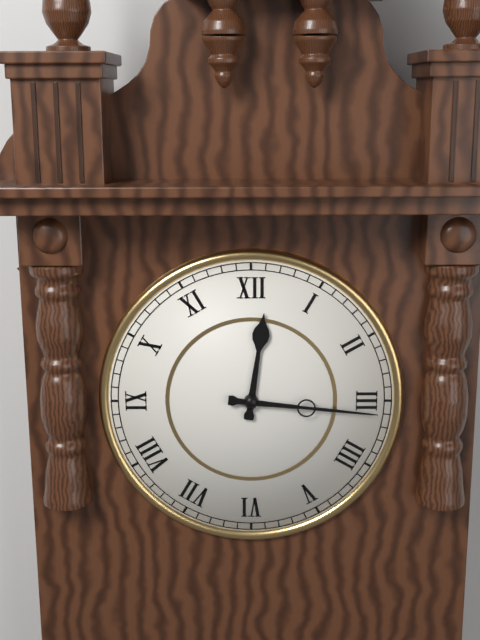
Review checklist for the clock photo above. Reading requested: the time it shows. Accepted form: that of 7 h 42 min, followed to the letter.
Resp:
12 h 16 min
